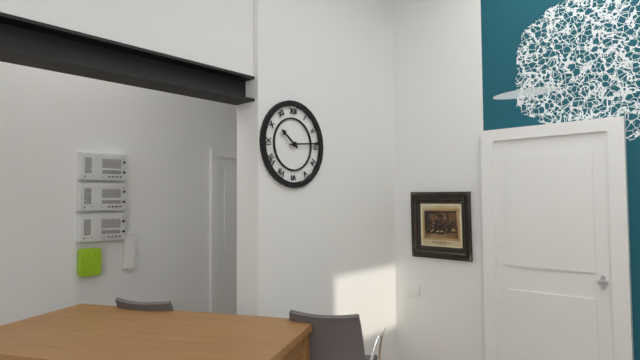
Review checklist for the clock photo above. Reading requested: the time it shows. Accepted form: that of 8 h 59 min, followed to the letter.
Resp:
10 h 14 min
